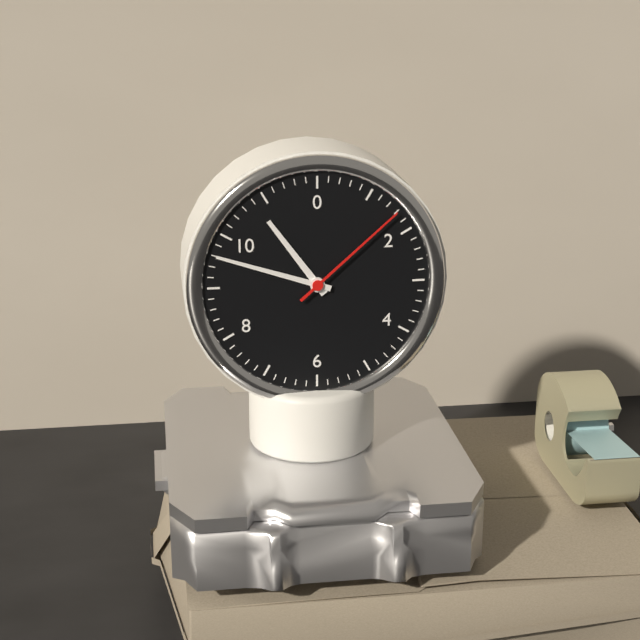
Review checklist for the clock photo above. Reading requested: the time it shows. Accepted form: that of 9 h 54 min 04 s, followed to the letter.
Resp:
10 h 48 min 08 s
